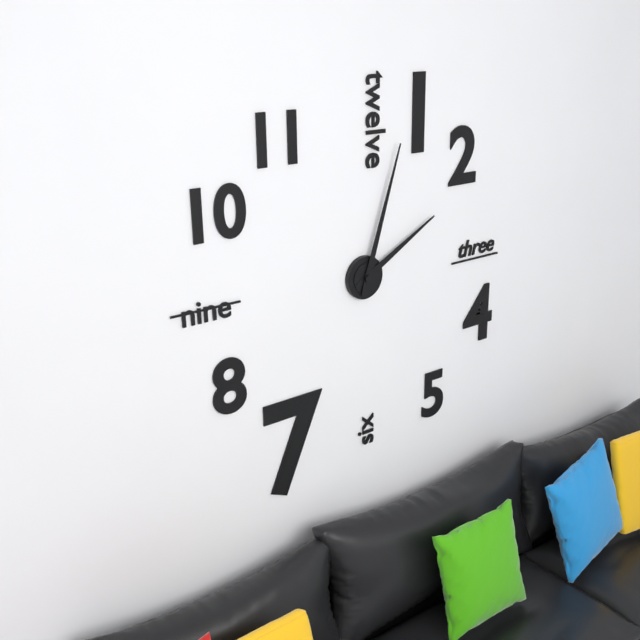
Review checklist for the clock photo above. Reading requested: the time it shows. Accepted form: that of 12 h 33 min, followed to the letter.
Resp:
2 h 03 min
